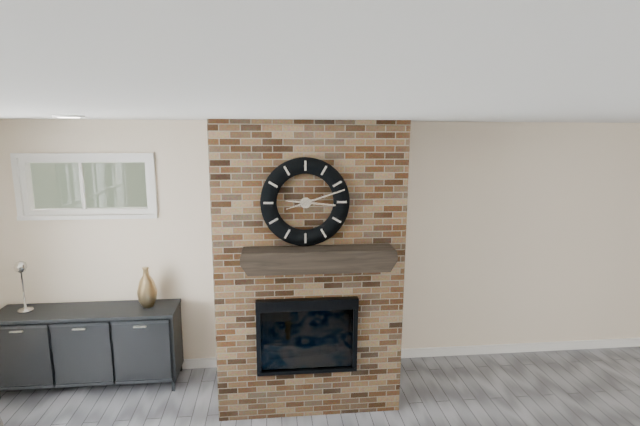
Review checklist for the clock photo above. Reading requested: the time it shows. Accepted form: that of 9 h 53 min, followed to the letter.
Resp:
3 h 12 min
